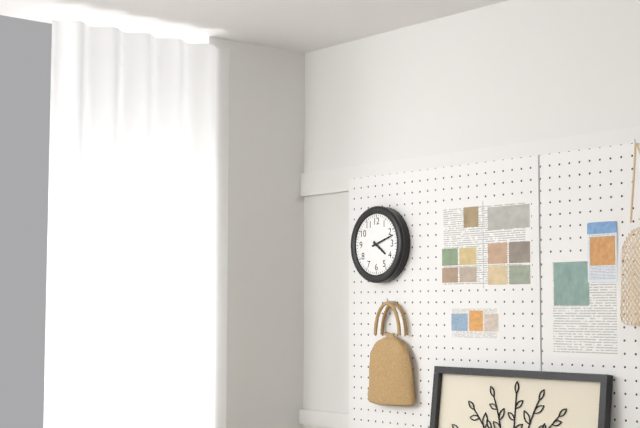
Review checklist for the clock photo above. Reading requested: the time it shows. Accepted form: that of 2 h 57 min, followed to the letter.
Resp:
4 h 12 min
